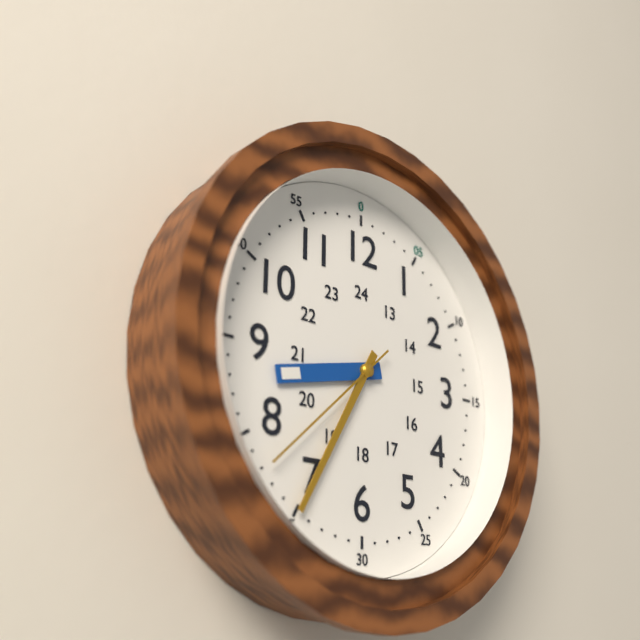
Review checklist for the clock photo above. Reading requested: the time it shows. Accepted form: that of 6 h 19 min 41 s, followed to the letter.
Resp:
8 h 35 min 38 s
